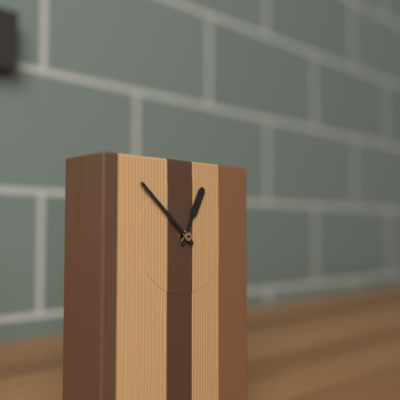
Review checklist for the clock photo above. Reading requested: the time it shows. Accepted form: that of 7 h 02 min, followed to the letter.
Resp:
12 h 52 min
